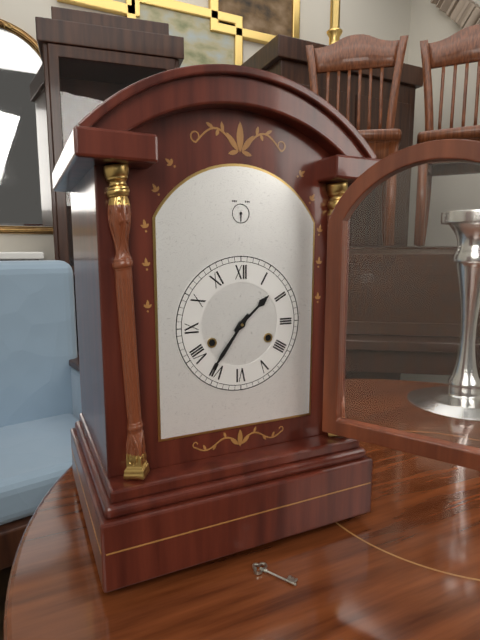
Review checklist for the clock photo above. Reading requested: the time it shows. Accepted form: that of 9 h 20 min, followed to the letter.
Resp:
1 h 36 min
